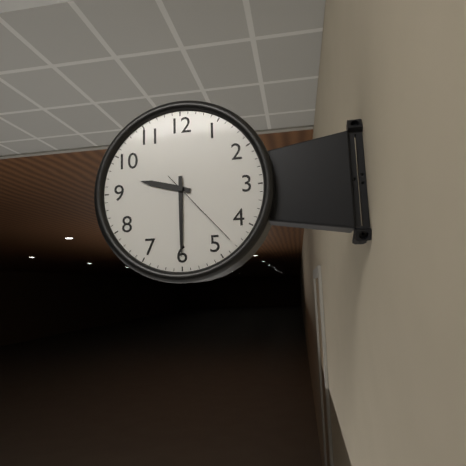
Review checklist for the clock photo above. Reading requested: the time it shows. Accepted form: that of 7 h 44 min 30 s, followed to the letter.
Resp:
9 h 30 min 23 s
